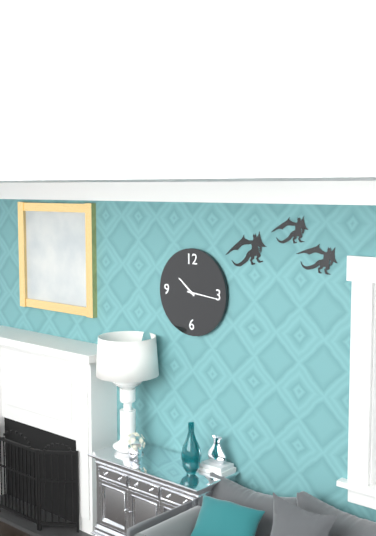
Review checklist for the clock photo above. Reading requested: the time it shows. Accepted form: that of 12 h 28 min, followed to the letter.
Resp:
10 h 16 min
